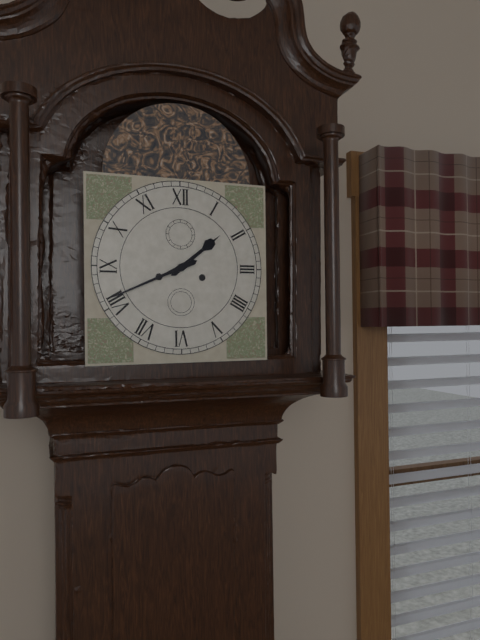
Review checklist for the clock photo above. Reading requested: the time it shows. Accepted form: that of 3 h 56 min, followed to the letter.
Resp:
1 h 41 min
